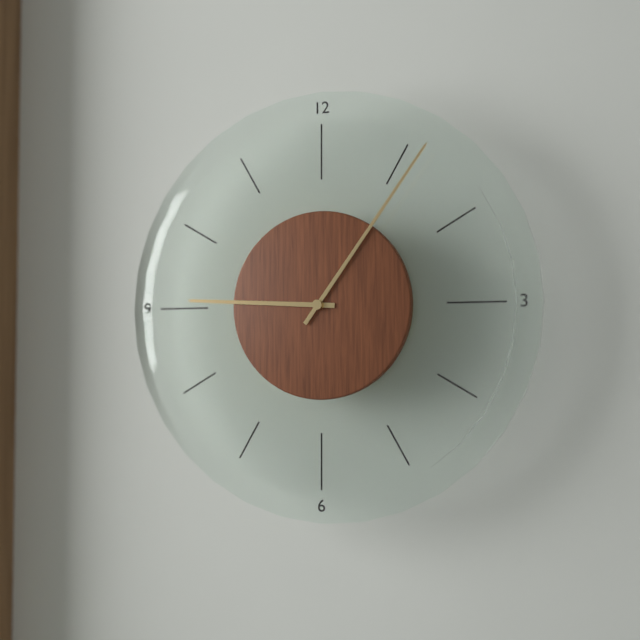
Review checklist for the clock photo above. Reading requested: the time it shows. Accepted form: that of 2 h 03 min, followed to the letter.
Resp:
9 h 06 min
